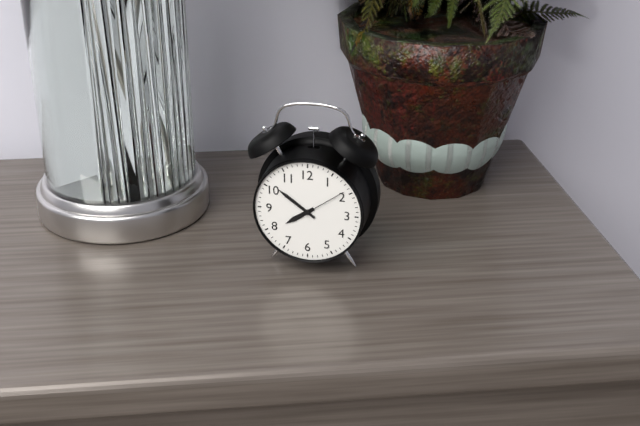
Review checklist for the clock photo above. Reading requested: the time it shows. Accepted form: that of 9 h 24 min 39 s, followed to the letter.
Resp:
7 h 51 min 09 s
